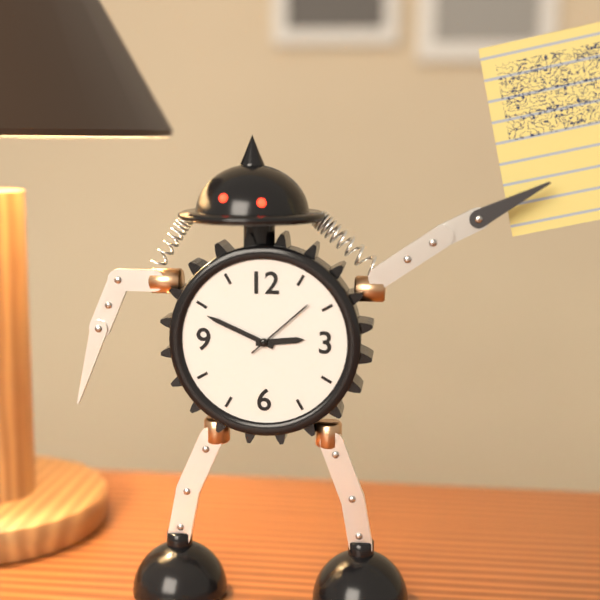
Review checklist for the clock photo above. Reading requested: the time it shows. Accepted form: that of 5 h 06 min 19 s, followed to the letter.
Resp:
2 h 49 min 08 s
